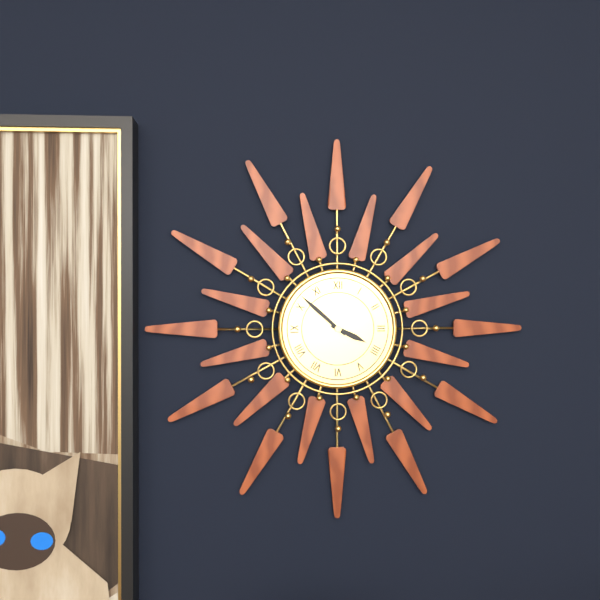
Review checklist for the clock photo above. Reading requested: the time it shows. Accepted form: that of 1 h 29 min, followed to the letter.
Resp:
3 h 52 min
